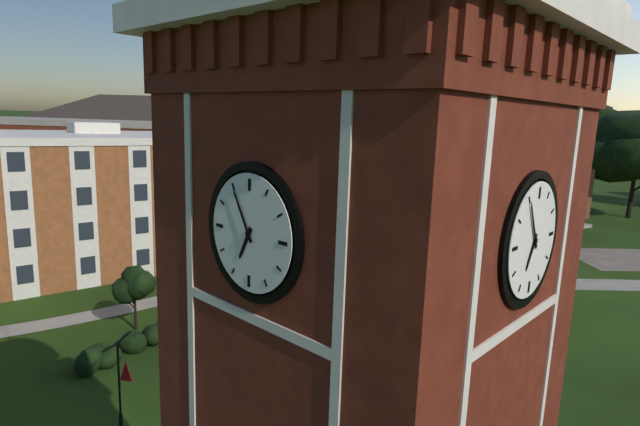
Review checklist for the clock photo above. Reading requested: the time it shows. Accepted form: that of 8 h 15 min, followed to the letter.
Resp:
6 h 55 min
